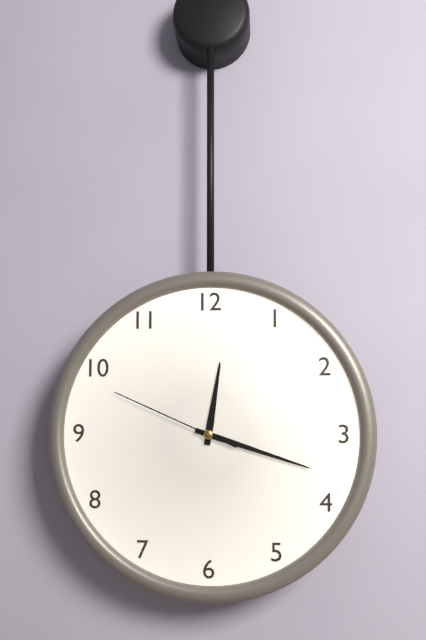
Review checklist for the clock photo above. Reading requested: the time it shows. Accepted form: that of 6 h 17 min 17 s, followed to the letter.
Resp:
12 h 18 min 49 s
